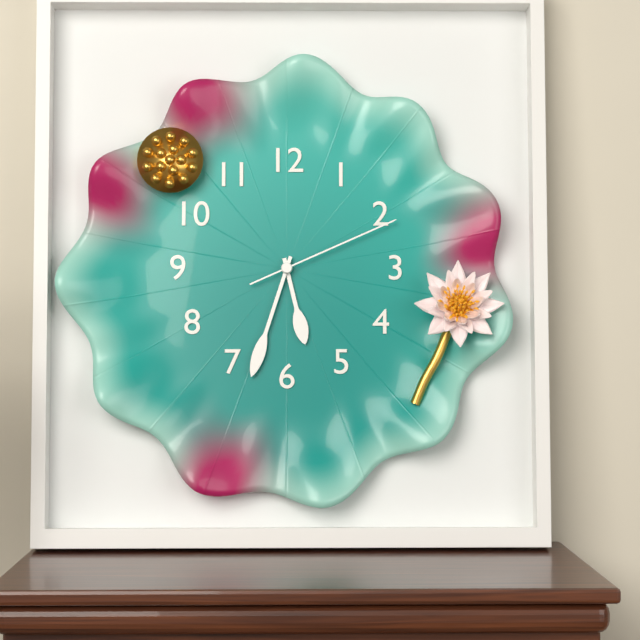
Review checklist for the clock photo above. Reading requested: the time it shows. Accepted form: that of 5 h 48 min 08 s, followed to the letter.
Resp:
5 h 33 min 11 s
